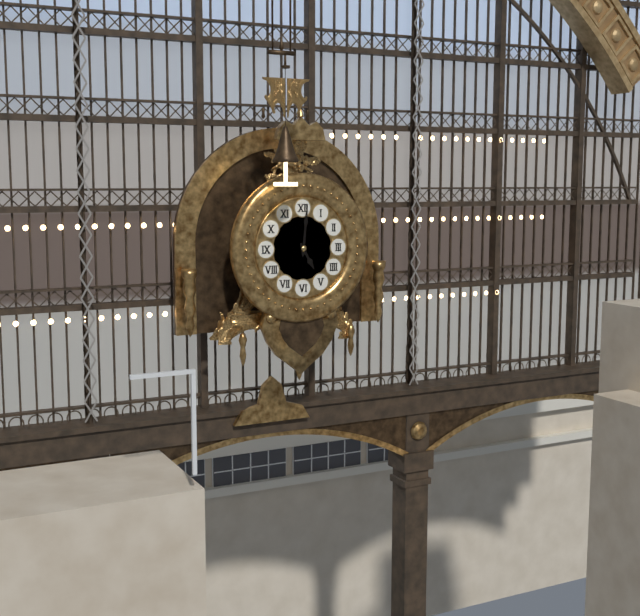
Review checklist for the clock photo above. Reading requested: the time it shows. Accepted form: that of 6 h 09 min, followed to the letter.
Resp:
5 h 01 min
